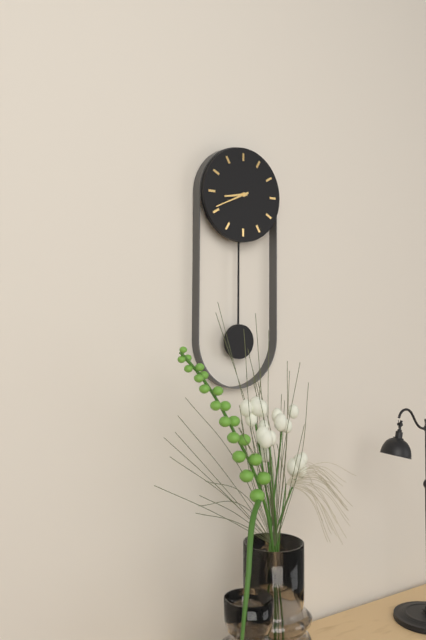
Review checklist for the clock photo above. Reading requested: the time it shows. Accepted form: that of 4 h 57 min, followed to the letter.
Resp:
8 h 41 min
